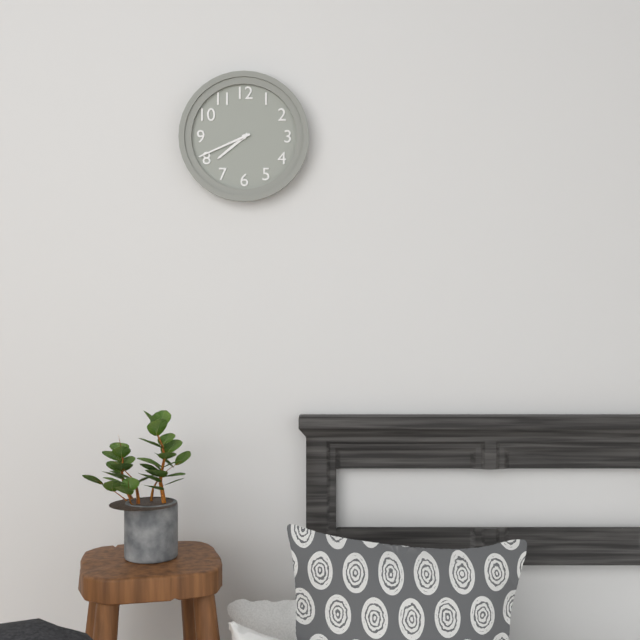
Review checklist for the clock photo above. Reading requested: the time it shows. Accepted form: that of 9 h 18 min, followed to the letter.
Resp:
7 h 41 min
